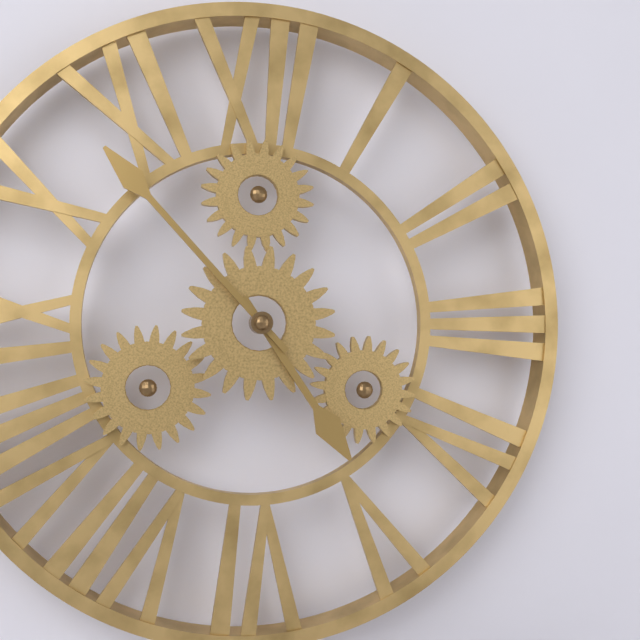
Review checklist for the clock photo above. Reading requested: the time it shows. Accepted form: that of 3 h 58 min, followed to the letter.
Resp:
4 h 53 min
